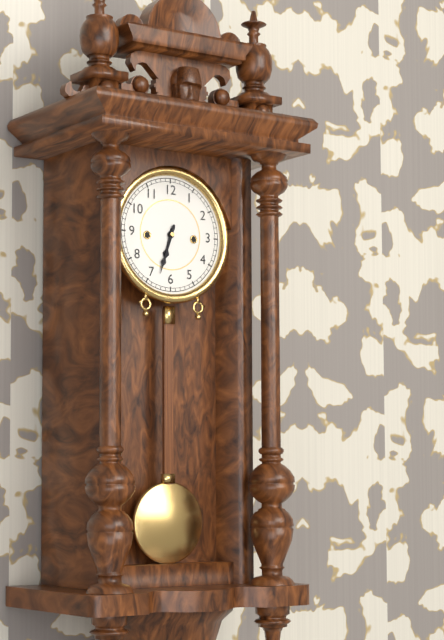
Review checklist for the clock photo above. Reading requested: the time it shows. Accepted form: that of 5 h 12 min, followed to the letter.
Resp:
6 h 33 min
